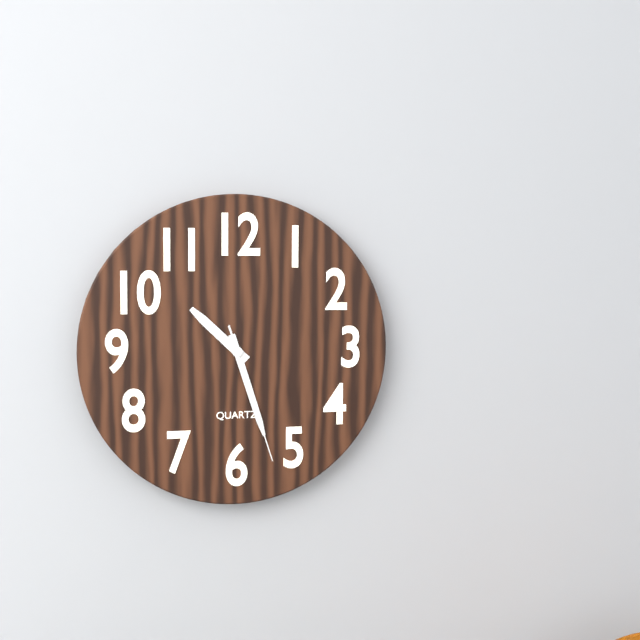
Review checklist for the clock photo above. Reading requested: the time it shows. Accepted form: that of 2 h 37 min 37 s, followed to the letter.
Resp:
10 h 27 min 27 s
